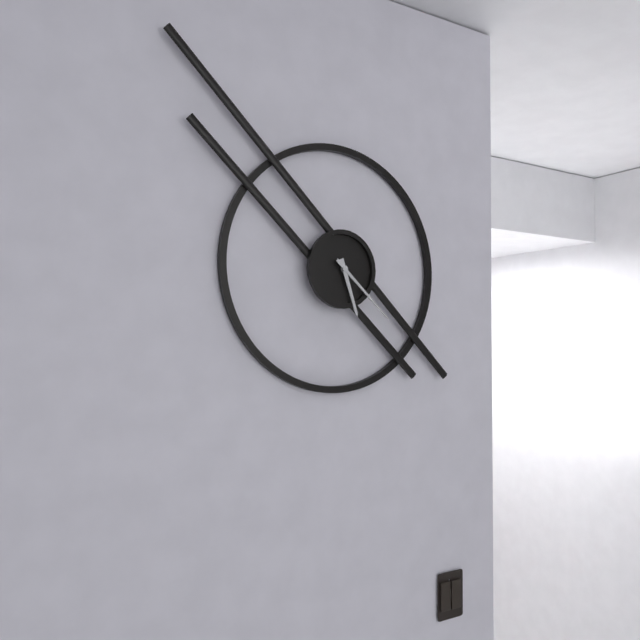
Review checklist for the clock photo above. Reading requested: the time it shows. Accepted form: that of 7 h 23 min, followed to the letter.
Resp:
5 h 22 min
